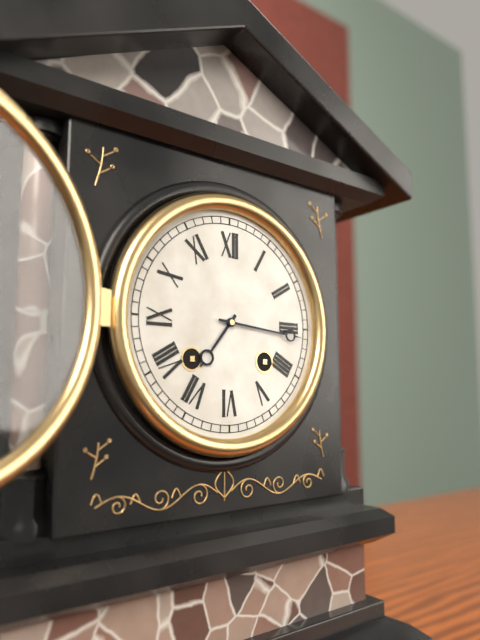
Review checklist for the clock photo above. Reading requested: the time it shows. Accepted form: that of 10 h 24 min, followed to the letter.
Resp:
7 h 16 min
